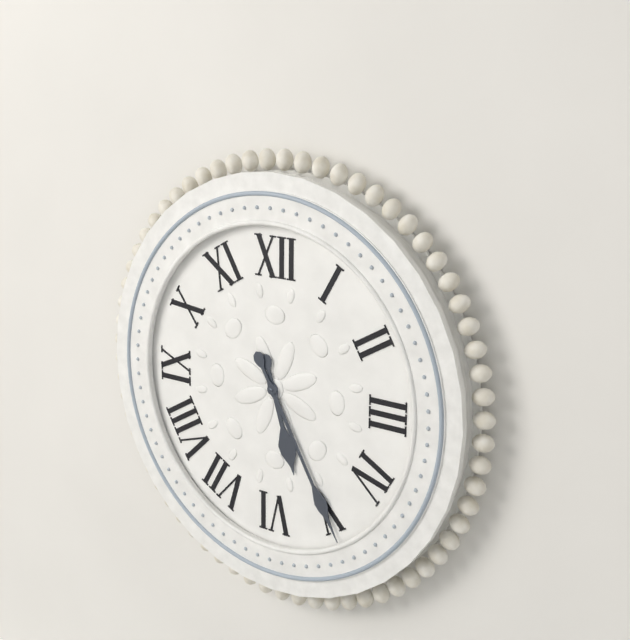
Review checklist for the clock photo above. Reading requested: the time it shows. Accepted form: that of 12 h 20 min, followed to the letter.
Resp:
5 h 25 min
